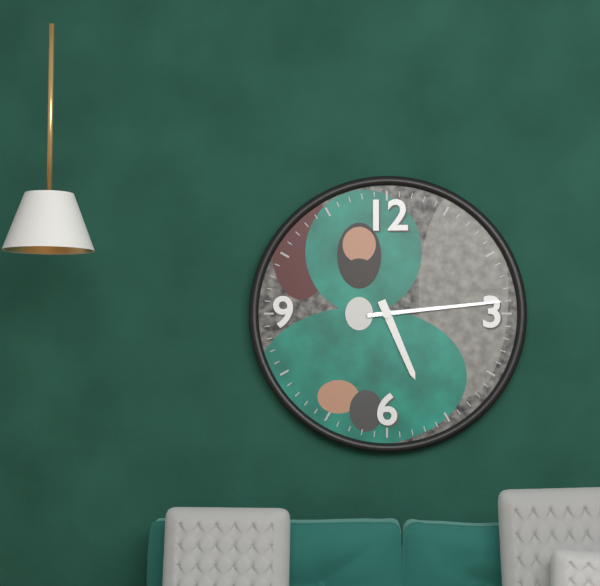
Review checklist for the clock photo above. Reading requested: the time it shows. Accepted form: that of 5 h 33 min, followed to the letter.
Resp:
5 h 14 min
